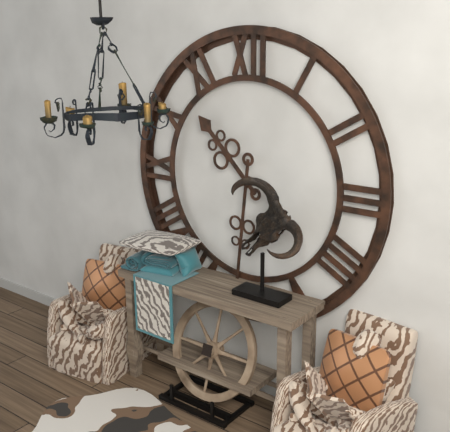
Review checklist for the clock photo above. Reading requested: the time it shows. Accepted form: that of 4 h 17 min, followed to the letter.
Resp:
10 h 31 min
